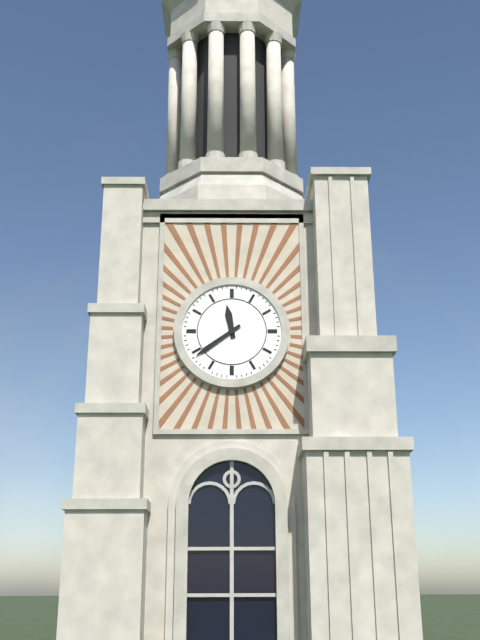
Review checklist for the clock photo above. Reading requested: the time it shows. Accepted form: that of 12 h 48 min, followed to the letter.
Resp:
11 h 39 min
